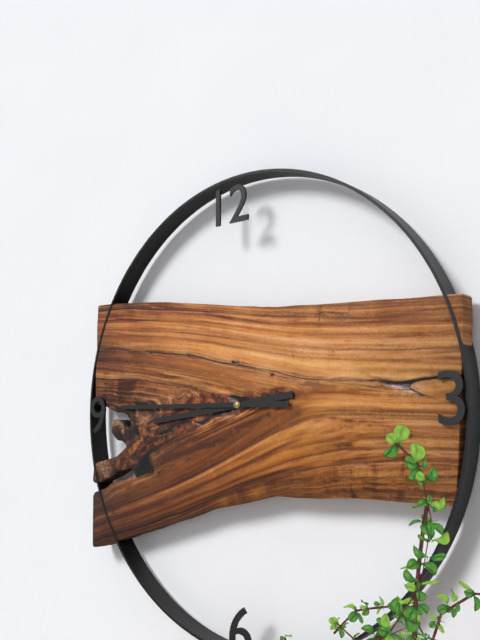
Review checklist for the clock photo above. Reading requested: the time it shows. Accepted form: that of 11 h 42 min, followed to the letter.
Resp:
8 h 45 min
